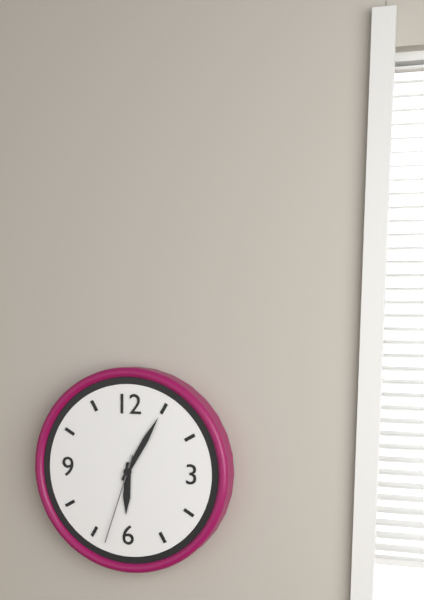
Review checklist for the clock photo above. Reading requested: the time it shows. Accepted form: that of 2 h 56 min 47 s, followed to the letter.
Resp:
6 h 05 min 33 s
